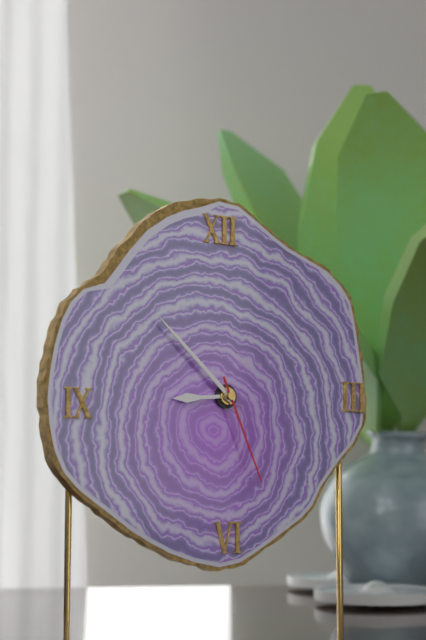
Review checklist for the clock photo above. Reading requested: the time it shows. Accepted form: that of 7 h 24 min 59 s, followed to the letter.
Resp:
8 h 52 min 26 s
